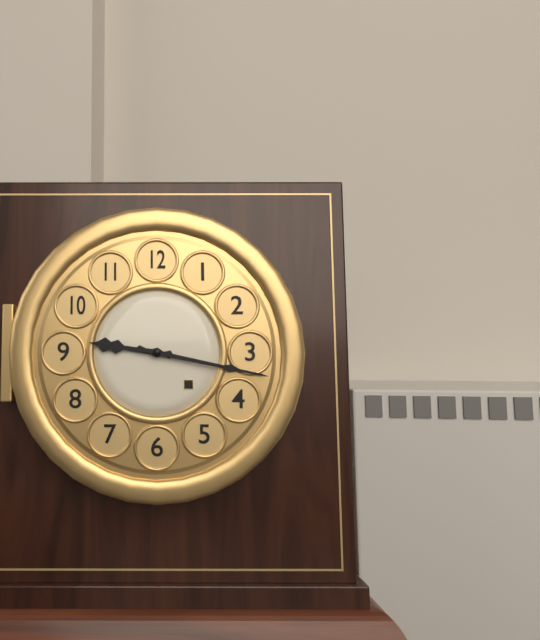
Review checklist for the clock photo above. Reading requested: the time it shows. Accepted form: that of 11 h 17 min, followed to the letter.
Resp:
9 h 17 min
